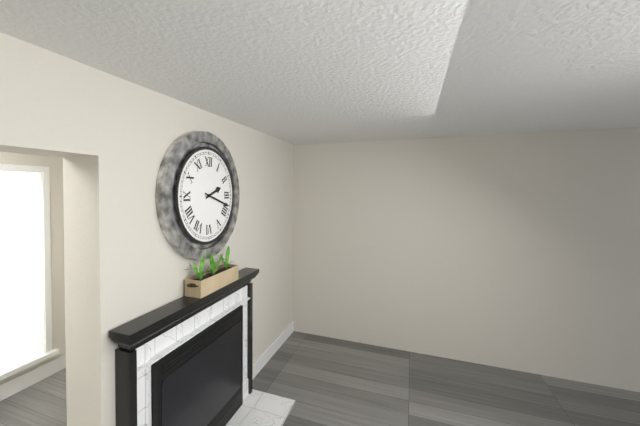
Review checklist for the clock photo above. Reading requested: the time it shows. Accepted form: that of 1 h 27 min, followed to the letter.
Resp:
2 h 18 min
